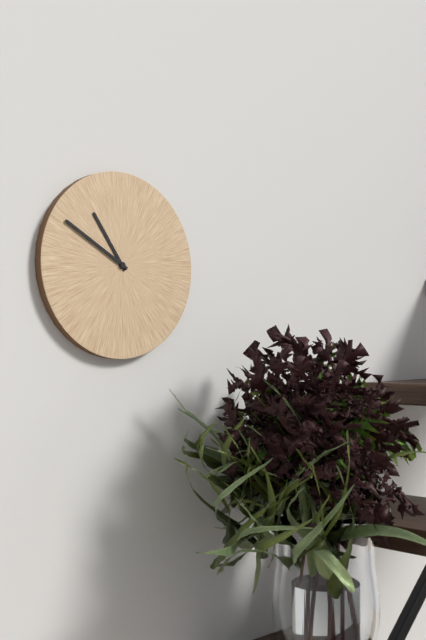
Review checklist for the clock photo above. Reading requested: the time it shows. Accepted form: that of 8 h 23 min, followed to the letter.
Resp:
10 h 50 min
